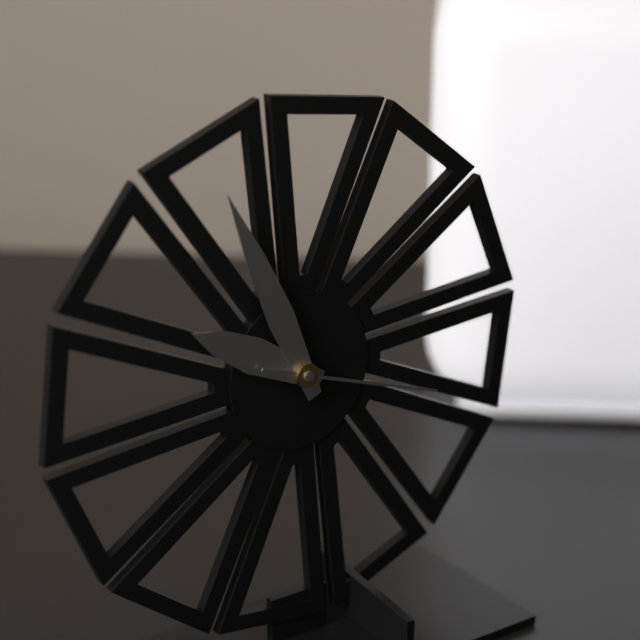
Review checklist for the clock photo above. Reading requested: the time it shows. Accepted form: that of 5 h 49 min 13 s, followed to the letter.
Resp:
9 h 56 min 18 s
